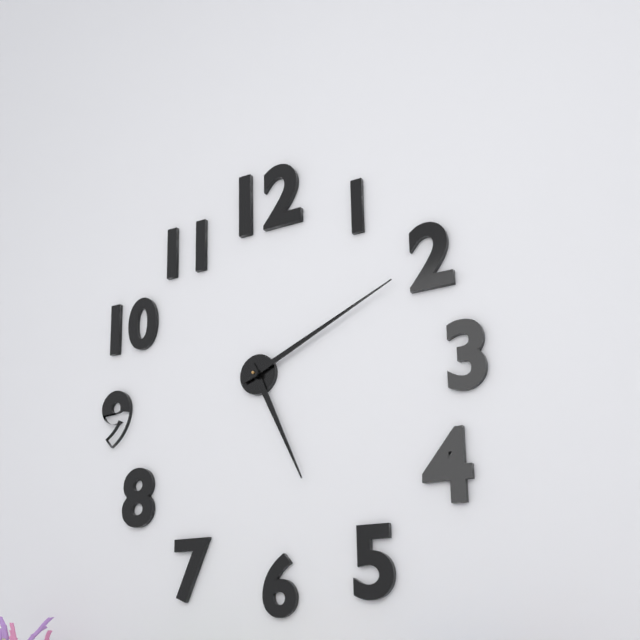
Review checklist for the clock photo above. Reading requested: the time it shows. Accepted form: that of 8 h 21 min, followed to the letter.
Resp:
5 h 11 min
